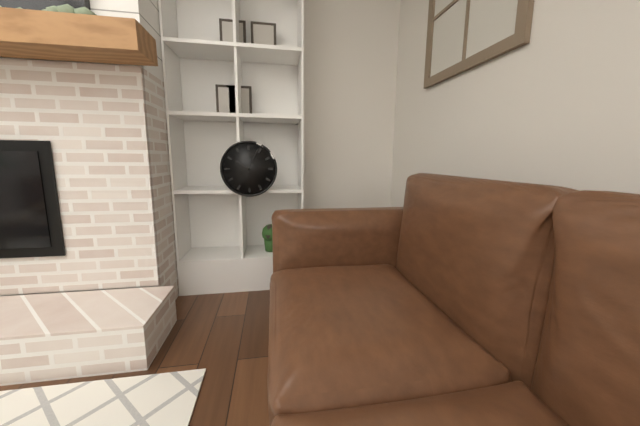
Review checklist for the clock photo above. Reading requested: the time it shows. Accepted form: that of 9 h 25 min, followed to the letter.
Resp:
10 h 04 min
